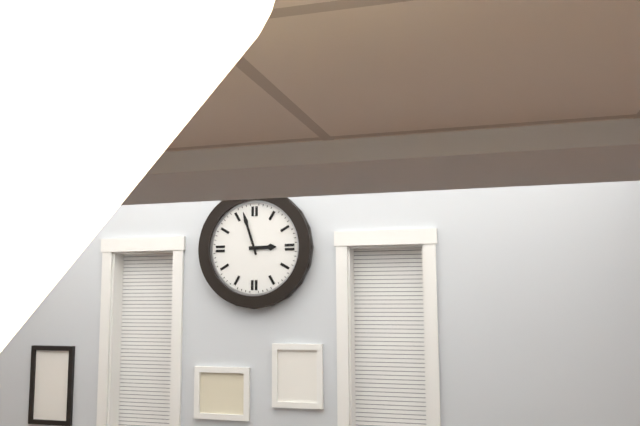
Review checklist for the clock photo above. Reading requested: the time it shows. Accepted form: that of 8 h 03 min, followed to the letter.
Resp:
2 h 57 min
